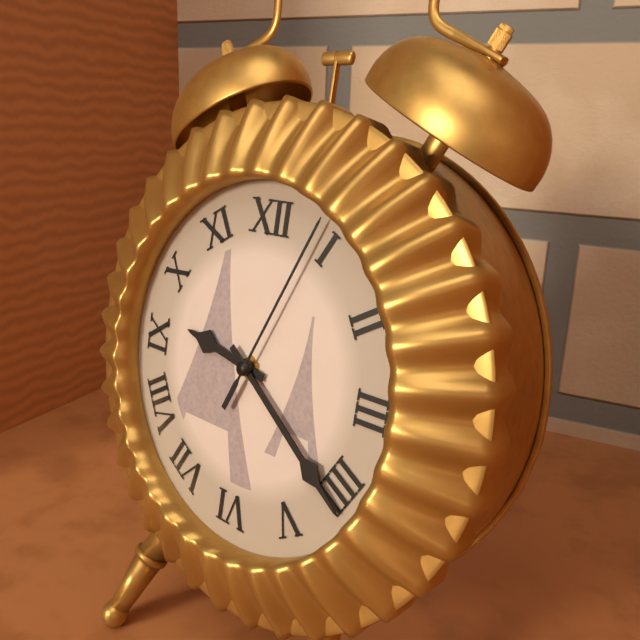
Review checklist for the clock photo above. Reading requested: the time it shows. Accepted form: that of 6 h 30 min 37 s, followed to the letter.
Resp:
9 h 21 min 04 s
